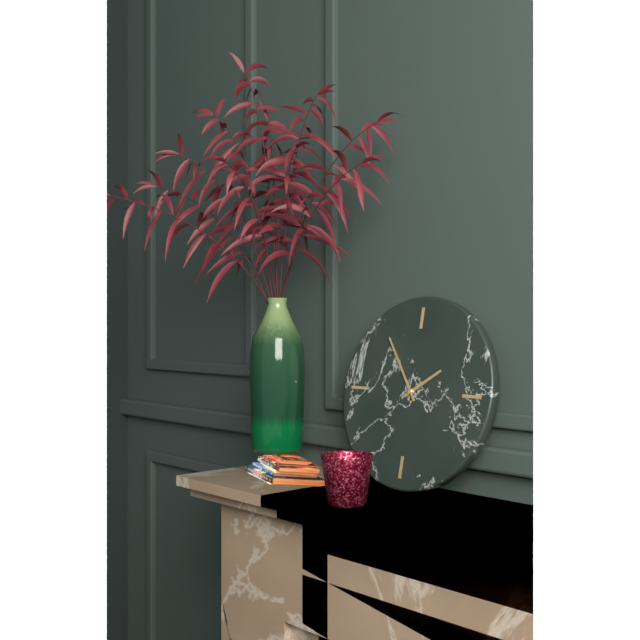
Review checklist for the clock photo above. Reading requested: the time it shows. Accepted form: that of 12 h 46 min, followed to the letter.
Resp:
1 h 54 min
